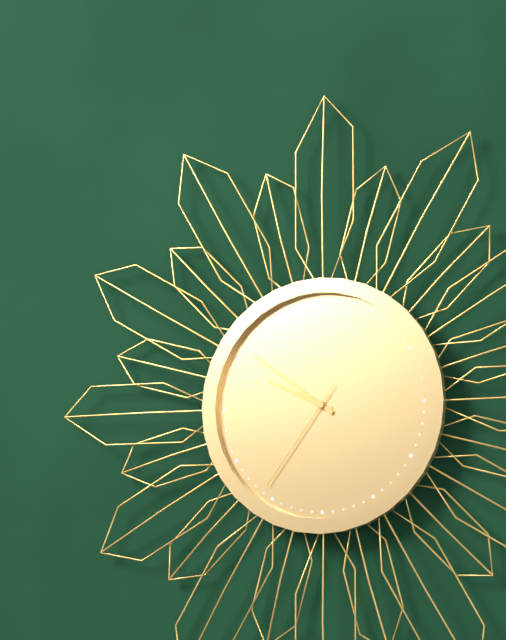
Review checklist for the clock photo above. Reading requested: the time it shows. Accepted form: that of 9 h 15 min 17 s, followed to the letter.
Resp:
9 h 51 min 36 s
